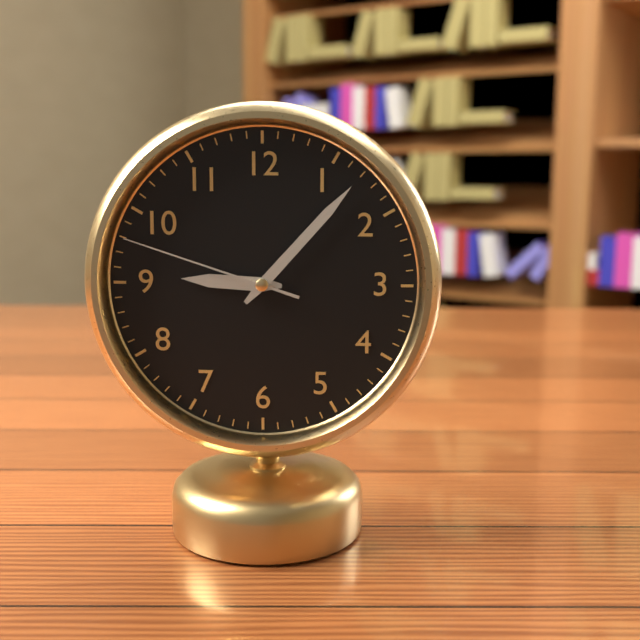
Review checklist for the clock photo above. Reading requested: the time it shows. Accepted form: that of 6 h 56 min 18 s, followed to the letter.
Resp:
9 h 07 min 48 s
